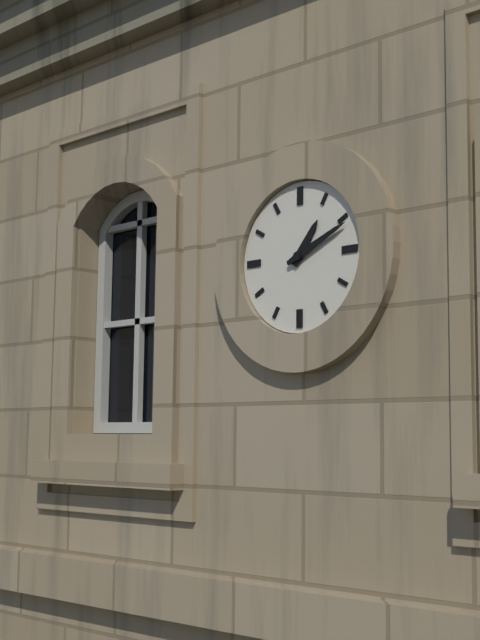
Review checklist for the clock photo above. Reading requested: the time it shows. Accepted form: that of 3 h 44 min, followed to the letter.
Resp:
1 h 11 min
